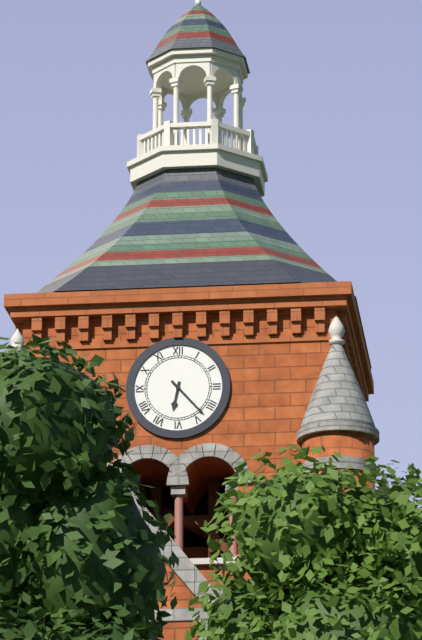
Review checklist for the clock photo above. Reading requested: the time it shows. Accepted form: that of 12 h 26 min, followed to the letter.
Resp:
6 h 23 min
